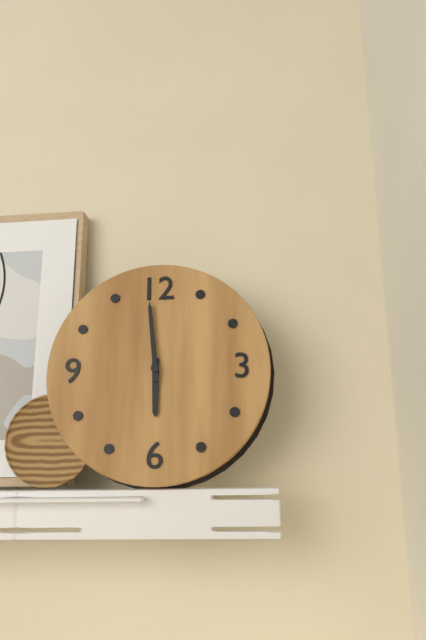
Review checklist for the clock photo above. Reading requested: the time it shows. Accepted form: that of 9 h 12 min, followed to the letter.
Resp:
5 h 59 min
